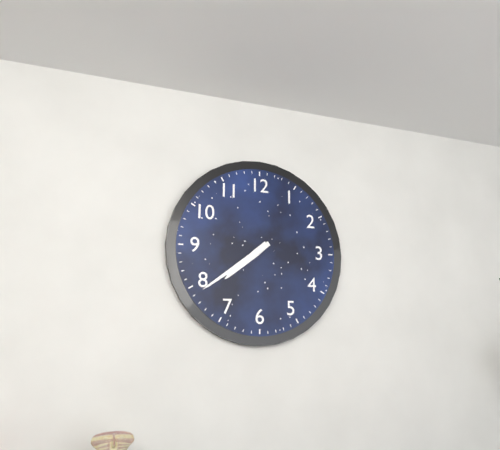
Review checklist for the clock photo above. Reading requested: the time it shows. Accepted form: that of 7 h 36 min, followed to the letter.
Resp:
7 h 39 min
